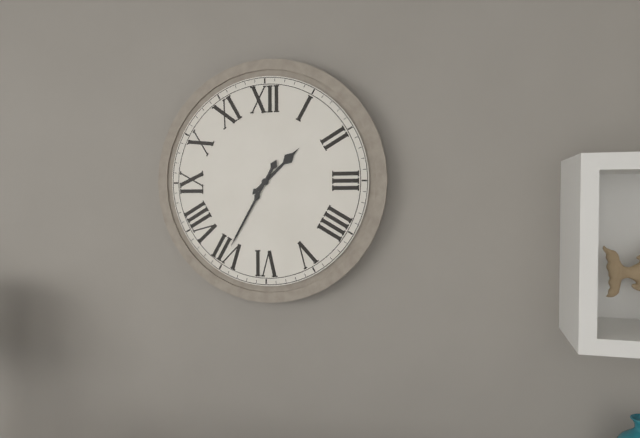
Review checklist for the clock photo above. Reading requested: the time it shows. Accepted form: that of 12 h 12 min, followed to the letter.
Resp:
1 h 35 min
